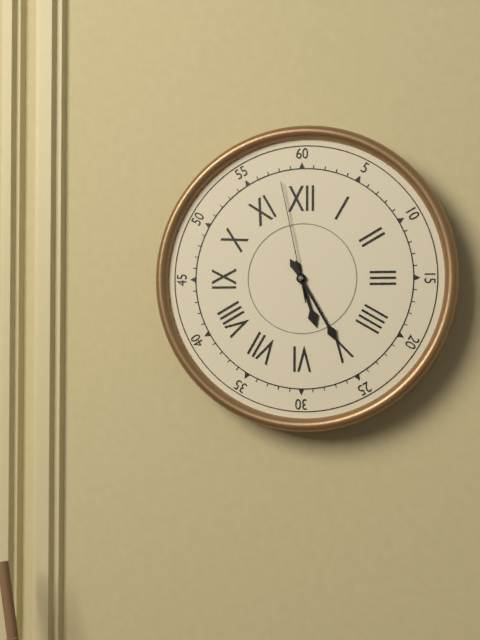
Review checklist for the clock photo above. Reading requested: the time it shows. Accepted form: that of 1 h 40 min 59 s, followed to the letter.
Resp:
5 h 25 min 58 s
